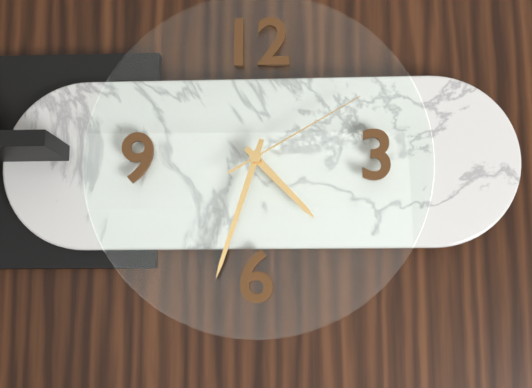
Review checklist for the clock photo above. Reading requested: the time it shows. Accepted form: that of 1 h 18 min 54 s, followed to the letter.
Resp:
4 h 33 min 10 s
